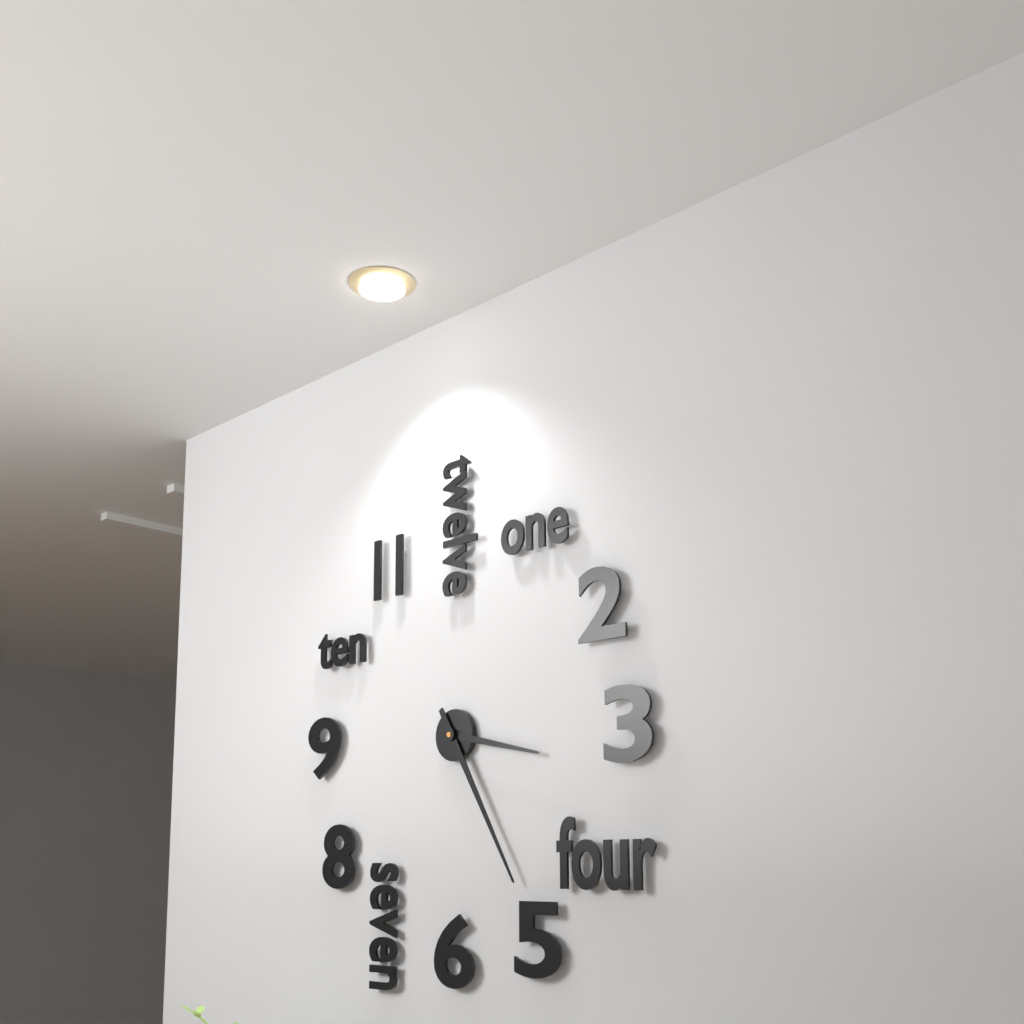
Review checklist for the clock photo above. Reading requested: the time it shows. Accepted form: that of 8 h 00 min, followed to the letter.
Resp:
3 h 25 min
